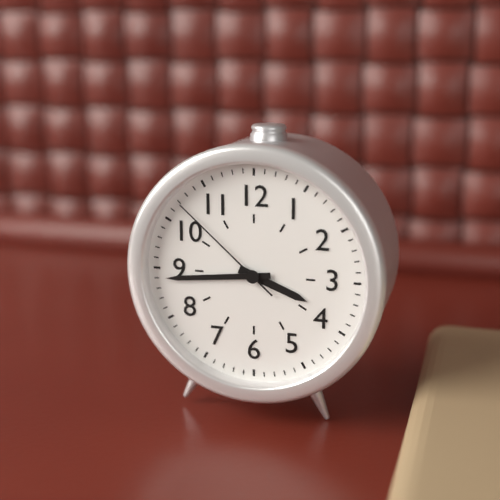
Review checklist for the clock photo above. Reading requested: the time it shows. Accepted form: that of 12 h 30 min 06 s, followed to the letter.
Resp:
3 h 44 min 52 s
